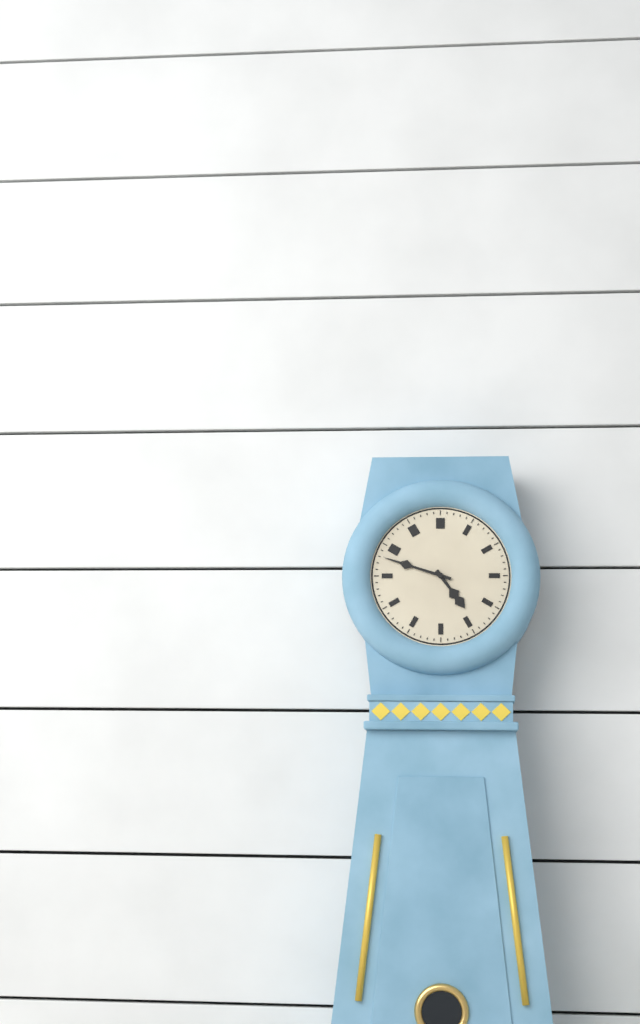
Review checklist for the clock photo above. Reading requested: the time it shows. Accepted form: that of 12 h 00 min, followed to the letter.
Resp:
4 h 48 min
